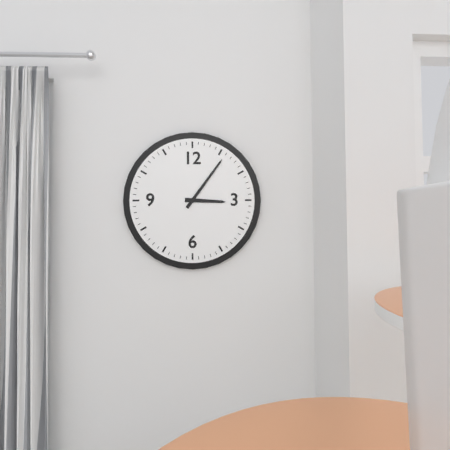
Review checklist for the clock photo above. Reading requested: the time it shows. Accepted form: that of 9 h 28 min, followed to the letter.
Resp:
3 h 06 min
